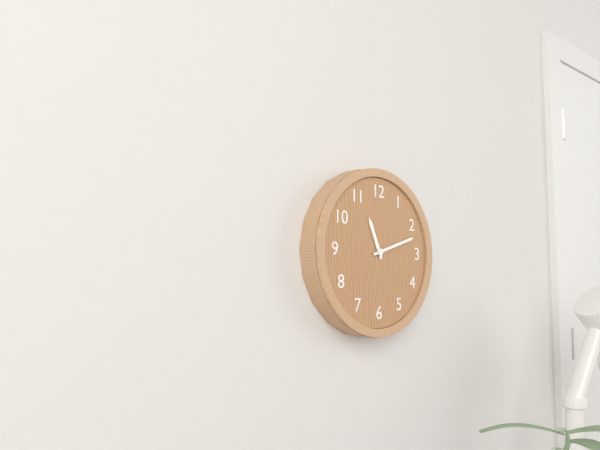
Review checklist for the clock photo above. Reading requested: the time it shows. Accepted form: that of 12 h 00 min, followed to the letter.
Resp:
11 h 12 min
